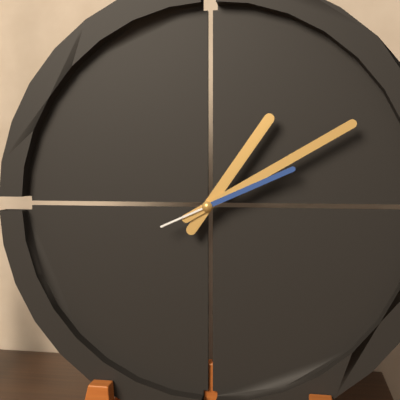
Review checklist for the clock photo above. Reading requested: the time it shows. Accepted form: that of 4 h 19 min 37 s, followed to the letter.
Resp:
1 h 10 min 11 s
